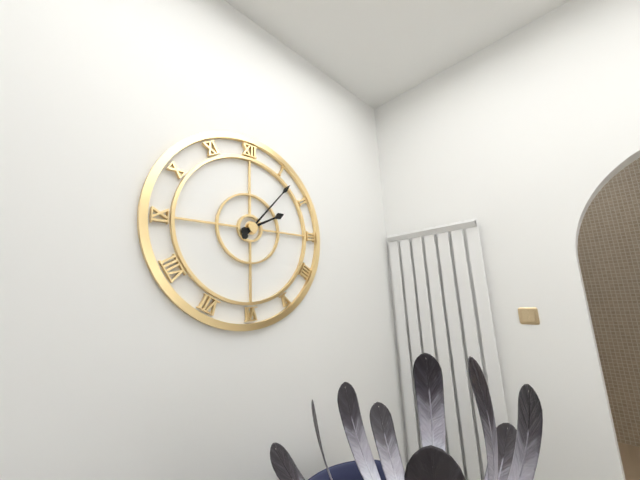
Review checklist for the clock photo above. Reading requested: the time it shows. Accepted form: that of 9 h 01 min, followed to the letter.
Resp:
2 h 07 min
